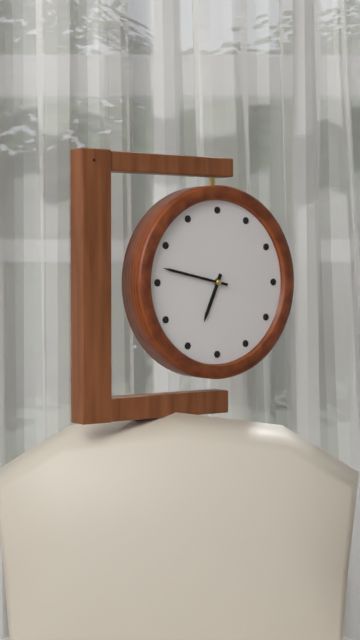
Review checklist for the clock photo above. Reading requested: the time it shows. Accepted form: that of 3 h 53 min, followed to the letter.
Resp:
6 h 47 min
